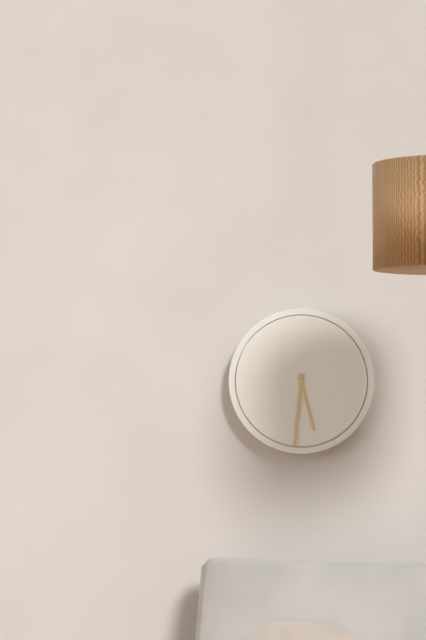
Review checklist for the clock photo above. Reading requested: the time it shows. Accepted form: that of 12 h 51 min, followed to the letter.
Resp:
5 h 31 min
